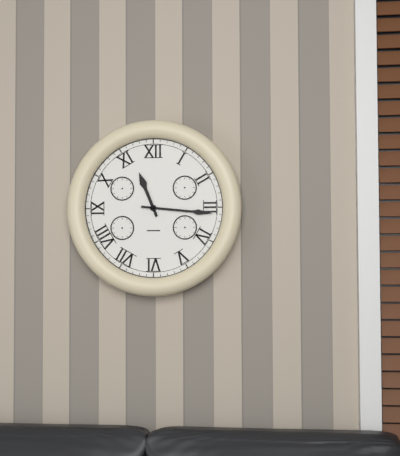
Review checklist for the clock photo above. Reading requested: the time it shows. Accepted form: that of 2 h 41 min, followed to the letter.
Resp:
11 h 16 min
